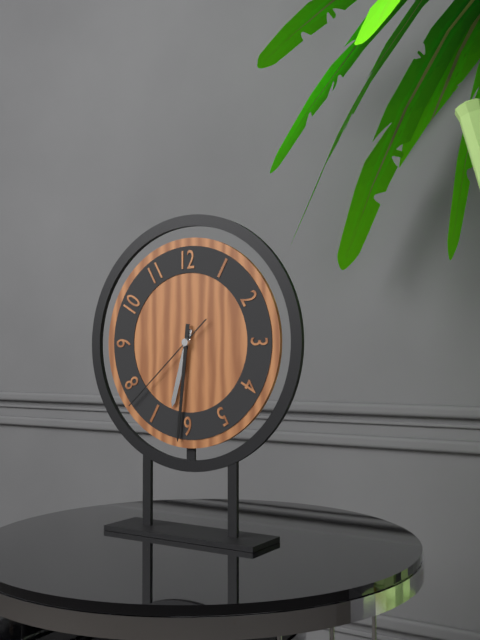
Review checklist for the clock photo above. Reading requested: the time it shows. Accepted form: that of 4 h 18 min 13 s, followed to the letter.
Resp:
6 h 31 min 38 s
